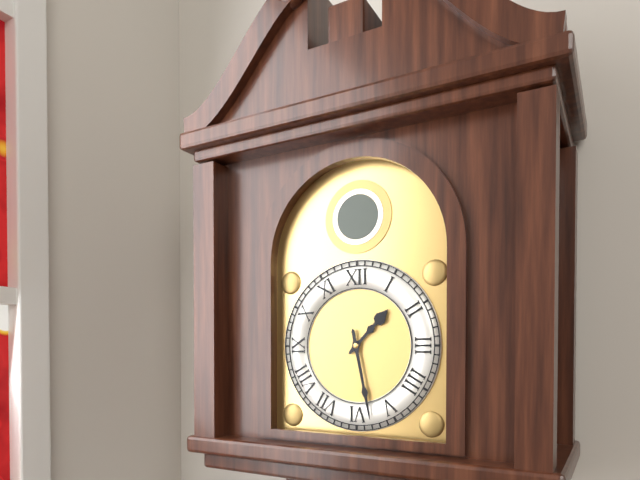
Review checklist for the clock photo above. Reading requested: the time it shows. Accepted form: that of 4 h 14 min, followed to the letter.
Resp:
1 h 28 min
